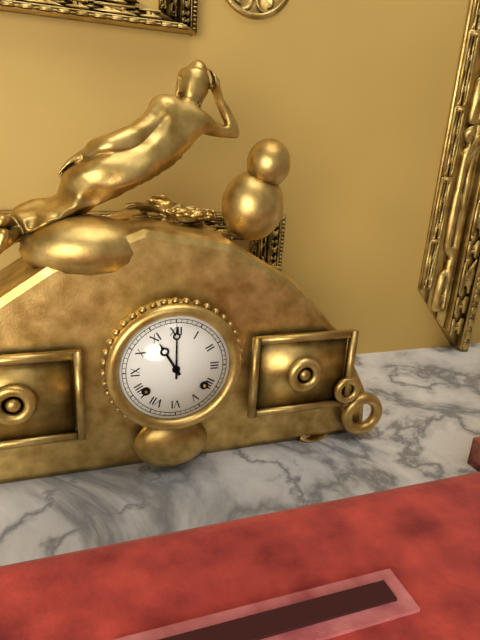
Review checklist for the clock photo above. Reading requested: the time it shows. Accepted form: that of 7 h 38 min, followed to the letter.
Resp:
11 h 00 min
